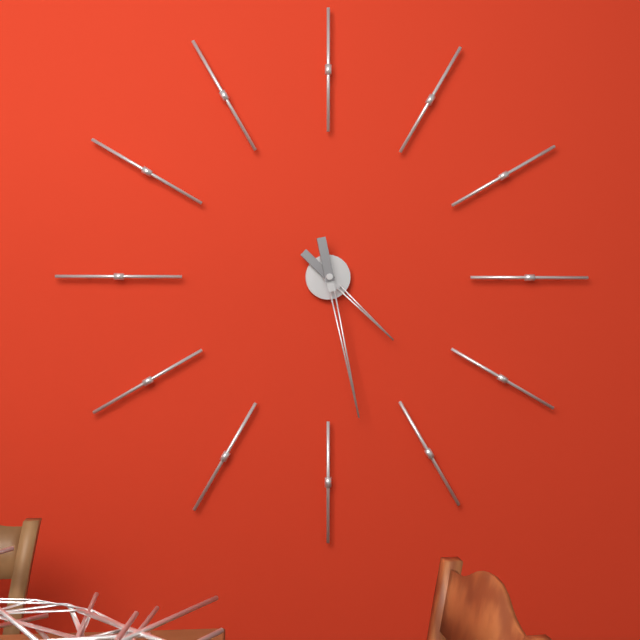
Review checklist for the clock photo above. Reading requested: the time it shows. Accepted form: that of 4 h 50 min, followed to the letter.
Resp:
4 h 28 min
